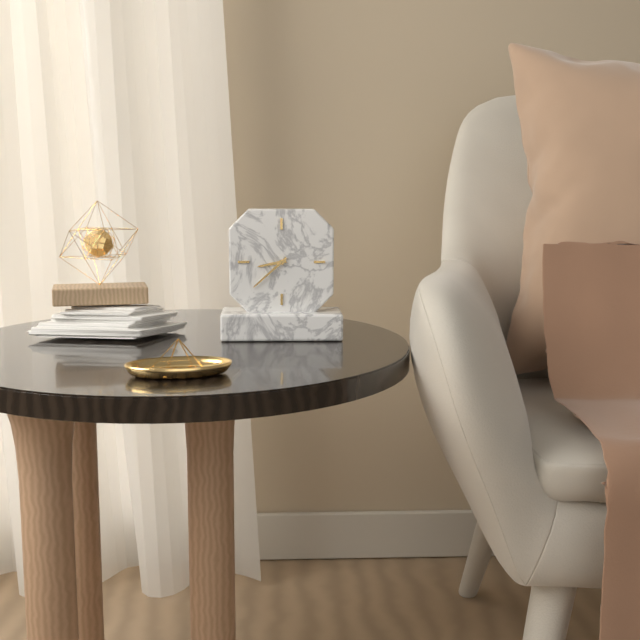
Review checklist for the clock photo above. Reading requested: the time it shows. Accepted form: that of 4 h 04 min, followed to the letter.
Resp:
8 h 38 min
